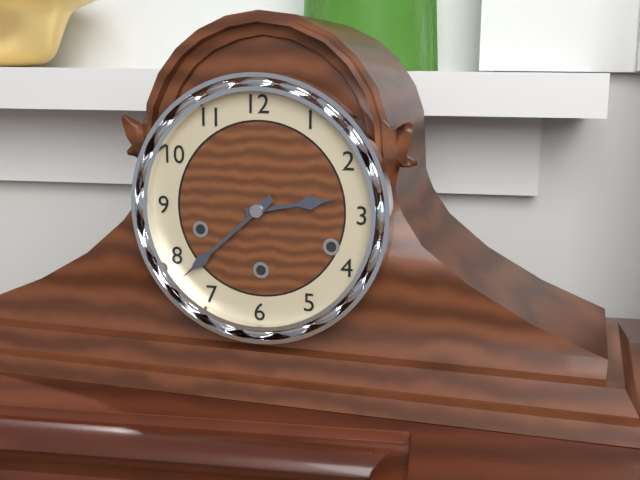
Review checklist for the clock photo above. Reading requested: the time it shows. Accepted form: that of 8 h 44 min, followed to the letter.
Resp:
2 h 38 min
